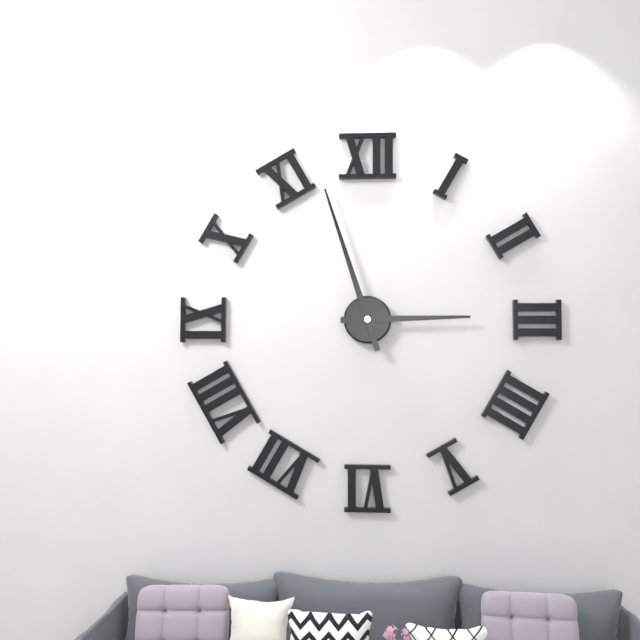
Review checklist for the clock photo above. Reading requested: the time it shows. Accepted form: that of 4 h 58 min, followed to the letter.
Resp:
2 h 57 min
